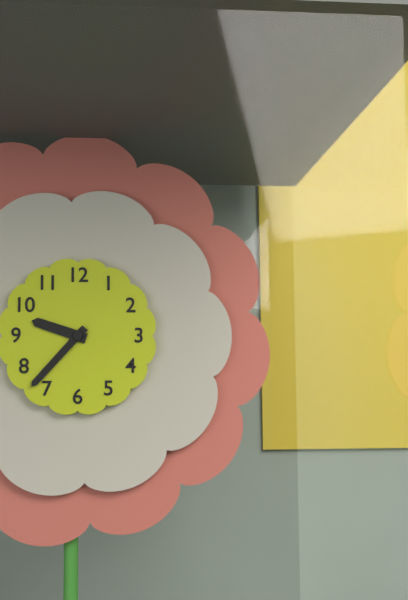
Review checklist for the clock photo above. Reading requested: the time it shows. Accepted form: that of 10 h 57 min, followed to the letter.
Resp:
9 h 37 min
